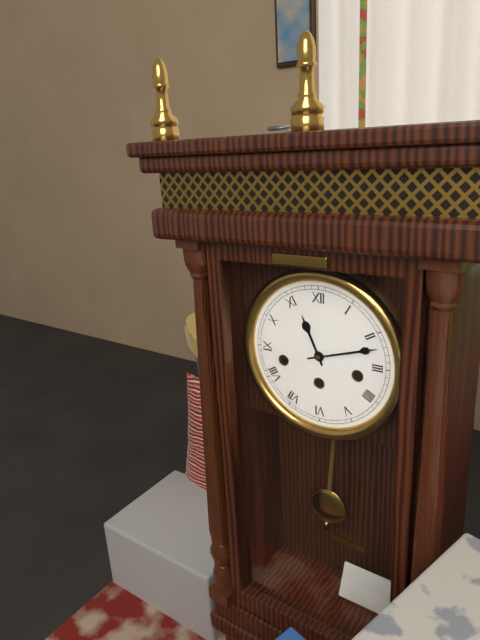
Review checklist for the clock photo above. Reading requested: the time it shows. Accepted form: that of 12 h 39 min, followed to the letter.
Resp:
11 h 12 min
